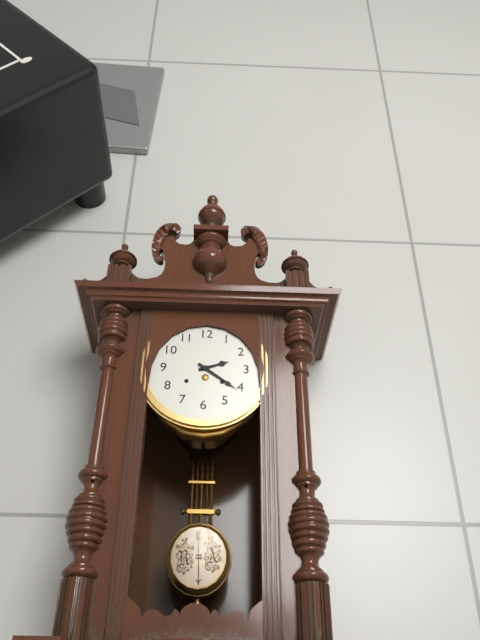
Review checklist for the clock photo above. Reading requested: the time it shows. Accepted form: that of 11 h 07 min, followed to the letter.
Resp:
2 h 21 min
